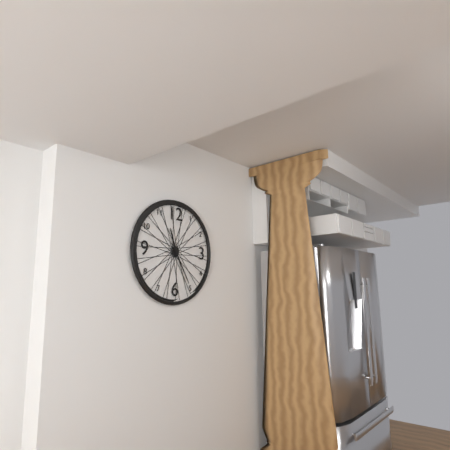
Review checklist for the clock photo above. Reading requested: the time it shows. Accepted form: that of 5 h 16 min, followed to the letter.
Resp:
11 h 25 min
